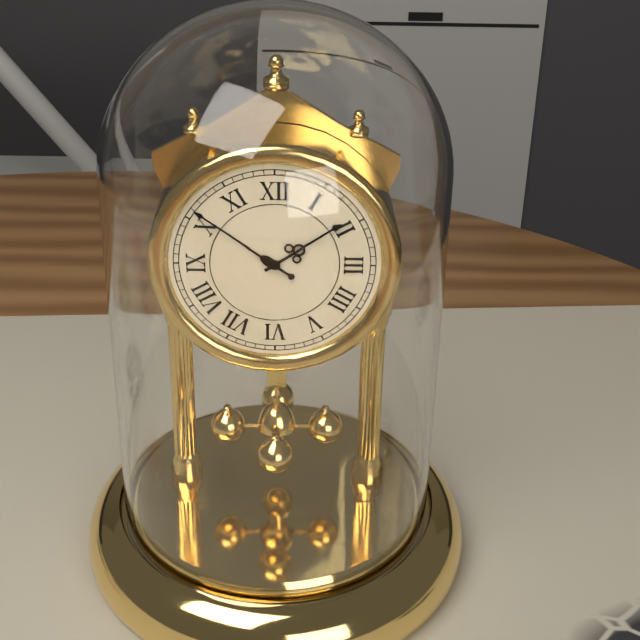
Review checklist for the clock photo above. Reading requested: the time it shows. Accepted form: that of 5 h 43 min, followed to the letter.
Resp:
1 h 51 min
